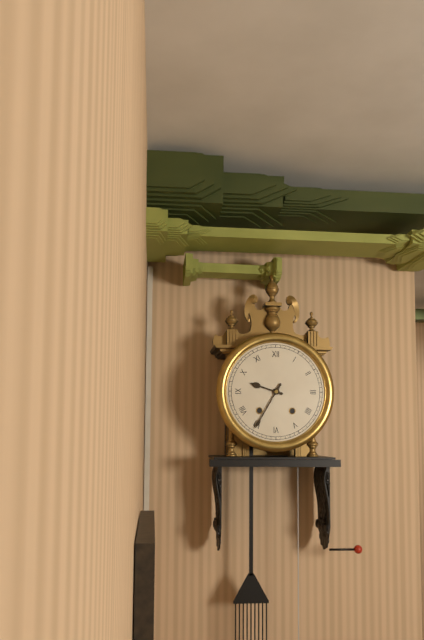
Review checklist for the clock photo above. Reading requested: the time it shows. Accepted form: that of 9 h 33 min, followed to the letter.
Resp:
9 h 35 min
